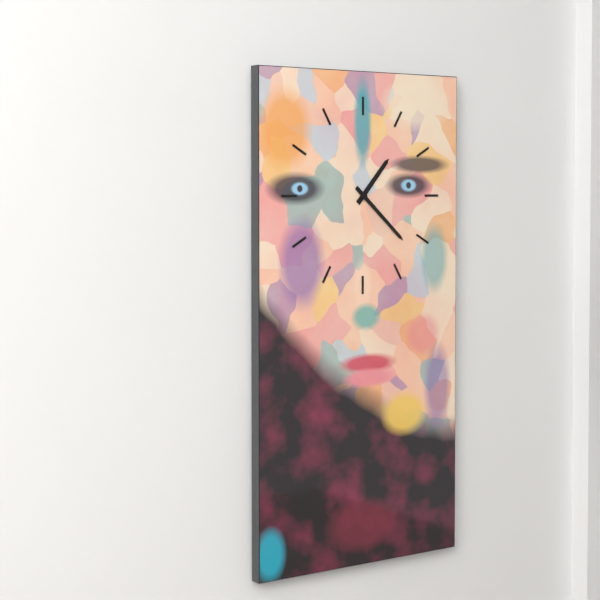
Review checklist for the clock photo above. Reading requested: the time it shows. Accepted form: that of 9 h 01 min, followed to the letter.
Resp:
1 h 22 min
